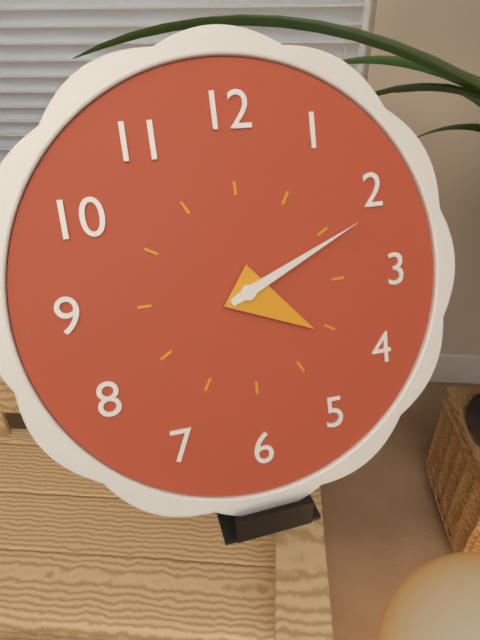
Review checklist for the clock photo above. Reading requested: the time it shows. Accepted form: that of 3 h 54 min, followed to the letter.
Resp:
4 h 11 min
